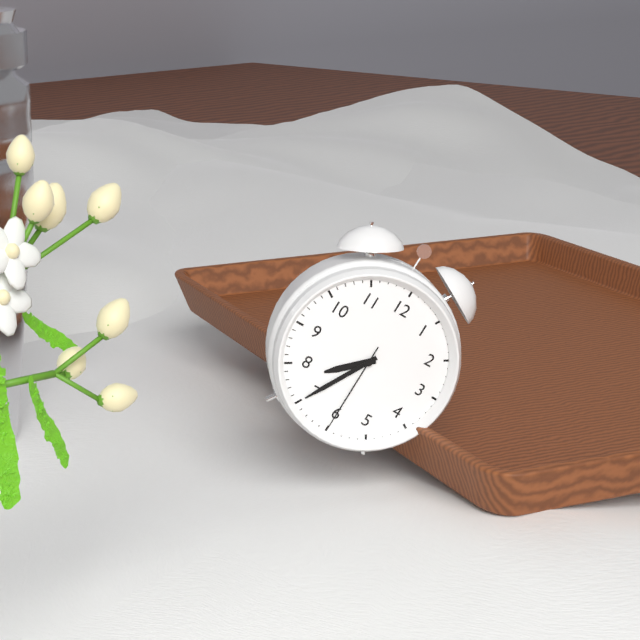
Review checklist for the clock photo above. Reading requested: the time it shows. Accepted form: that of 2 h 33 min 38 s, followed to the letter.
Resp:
7 h 35 min 30 s
